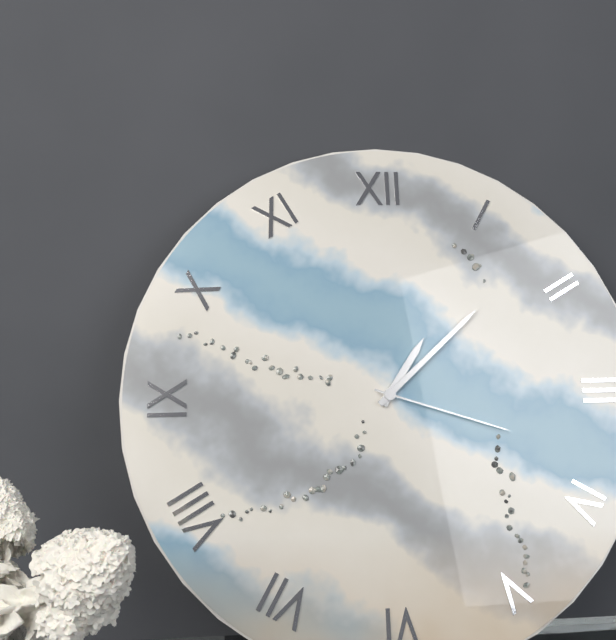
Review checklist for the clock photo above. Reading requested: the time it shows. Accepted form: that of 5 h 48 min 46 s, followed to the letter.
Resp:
1 h 08 min 18 s
